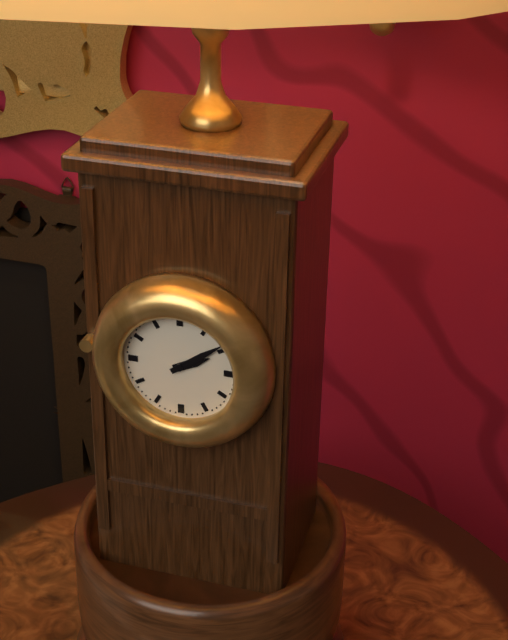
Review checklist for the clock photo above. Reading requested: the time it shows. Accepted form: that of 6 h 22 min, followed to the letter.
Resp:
2 h 09 min
